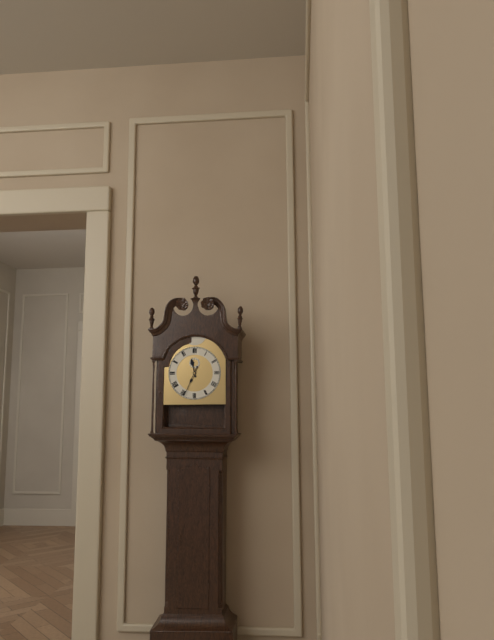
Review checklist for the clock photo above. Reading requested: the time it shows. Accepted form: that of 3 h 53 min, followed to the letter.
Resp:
11 h 34 min
